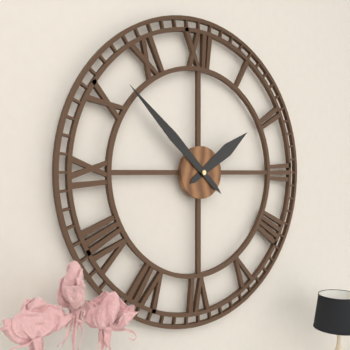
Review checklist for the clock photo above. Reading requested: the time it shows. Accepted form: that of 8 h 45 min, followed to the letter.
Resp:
1 h 52 min
